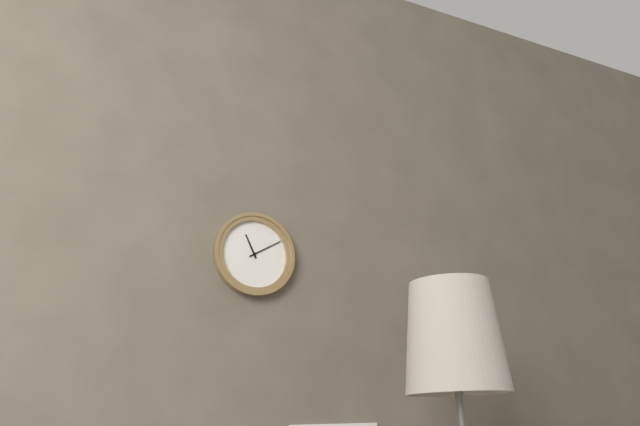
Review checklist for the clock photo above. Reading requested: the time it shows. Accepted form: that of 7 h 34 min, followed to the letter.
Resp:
11 h 10 min
